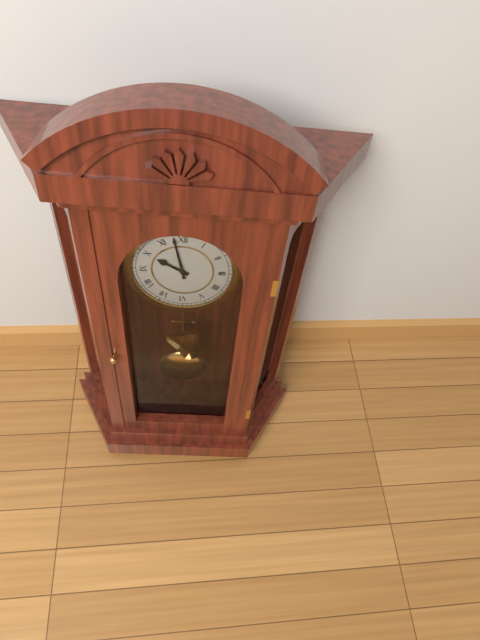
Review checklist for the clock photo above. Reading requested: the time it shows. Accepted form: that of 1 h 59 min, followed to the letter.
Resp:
9 h 58 min
